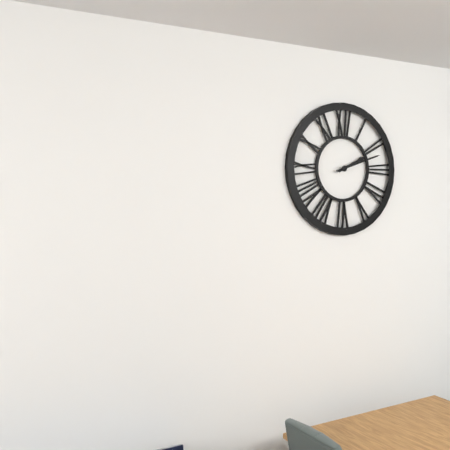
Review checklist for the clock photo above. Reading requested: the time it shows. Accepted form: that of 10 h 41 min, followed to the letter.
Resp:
2 h 12 min
